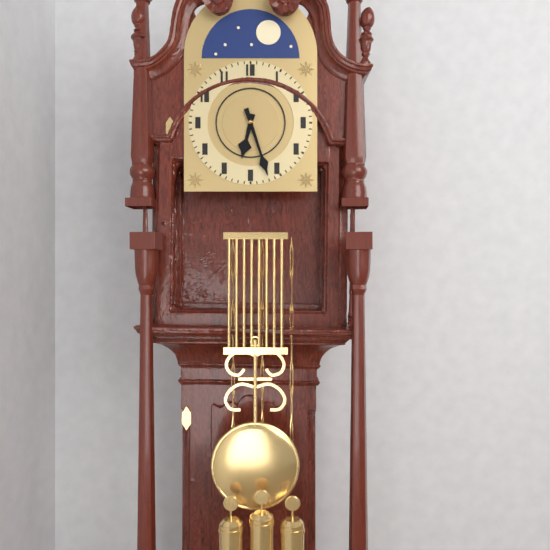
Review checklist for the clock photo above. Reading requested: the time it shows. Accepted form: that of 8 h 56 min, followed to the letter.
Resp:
6 h 27 min
